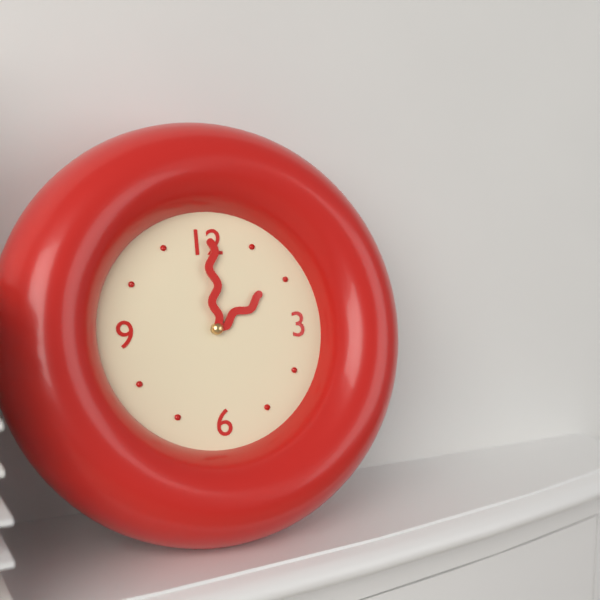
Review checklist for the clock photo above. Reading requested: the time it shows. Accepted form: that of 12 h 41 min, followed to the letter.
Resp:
2 h 00 min
